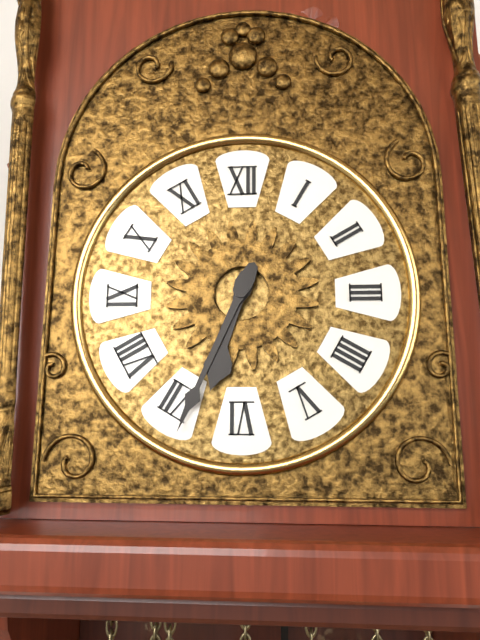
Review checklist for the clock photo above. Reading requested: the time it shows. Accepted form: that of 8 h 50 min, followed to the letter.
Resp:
6 h 34 min
